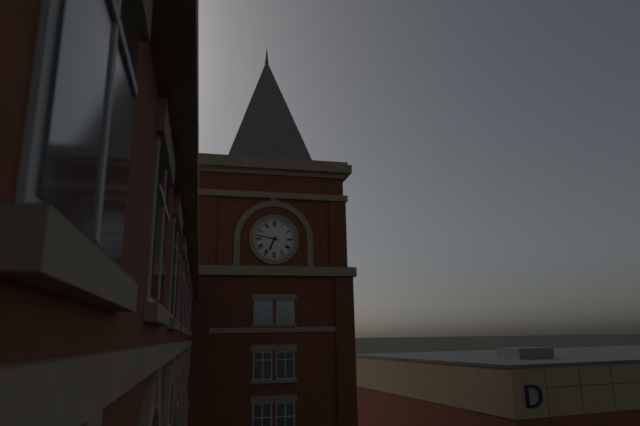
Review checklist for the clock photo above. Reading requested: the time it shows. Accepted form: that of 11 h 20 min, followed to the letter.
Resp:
6 h 47 min
